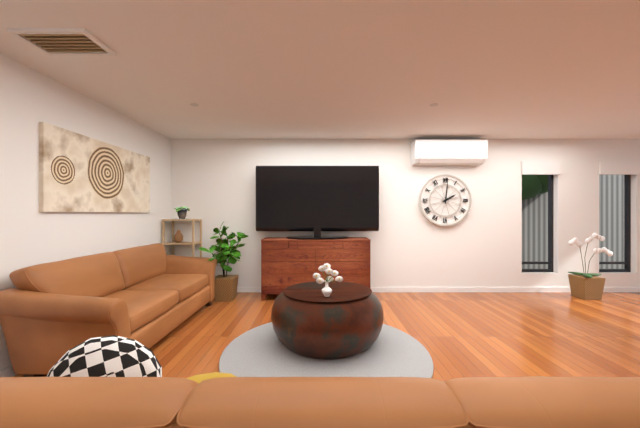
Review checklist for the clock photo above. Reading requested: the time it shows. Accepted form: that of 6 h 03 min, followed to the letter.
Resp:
2 h 01 min
